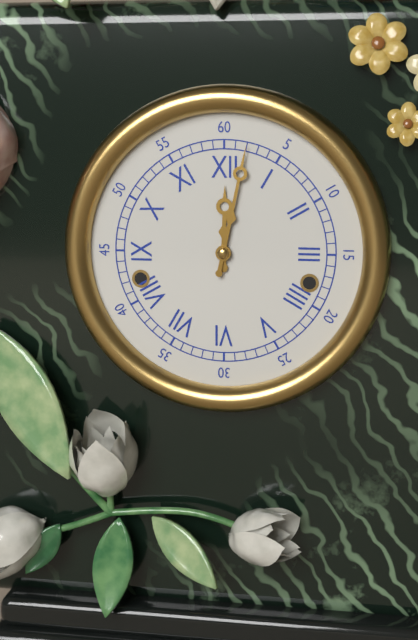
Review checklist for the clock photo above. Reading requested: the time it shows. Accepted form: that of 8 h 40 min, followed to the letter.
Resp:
12 h 02 min
